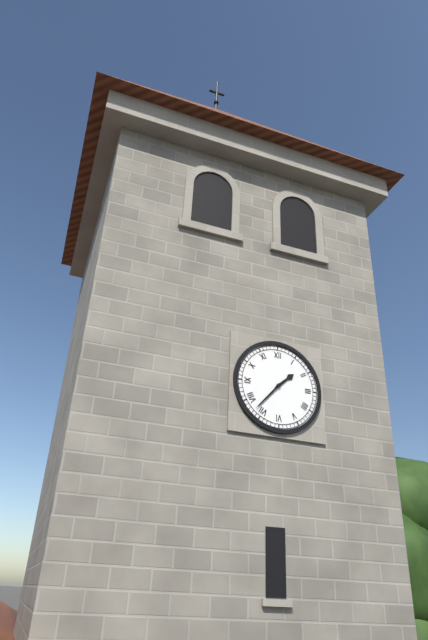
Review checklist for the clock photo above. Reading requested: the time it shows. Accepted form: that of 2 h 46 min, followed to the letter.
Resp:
1 h 37 min
